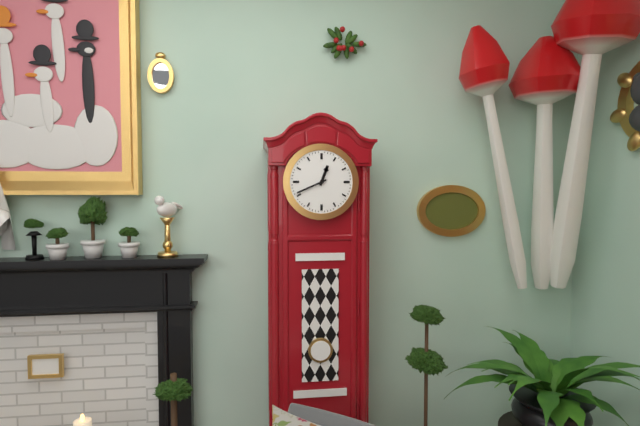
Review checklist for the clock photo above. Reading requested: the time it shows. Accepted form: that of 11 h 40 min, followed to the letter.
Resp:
12 h 41 min
